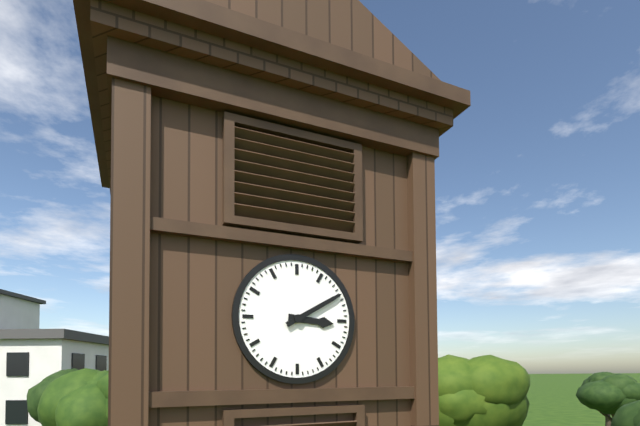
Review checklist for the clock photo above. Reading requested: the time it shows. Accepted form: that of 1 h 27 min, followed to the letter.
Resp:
3 h 10 min
